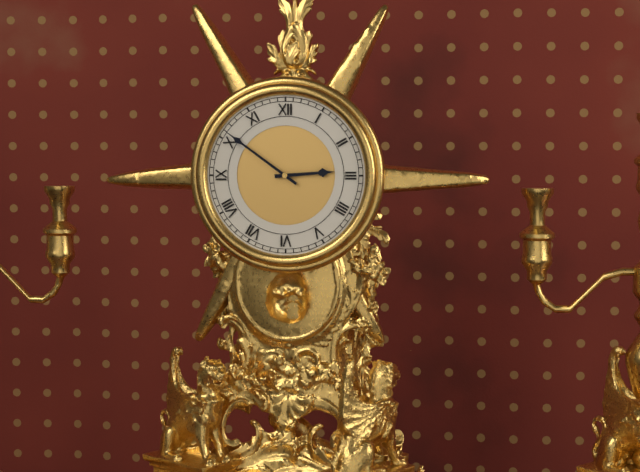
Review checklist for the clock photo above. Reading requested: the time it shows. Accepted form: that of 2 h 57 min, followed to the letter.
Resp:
2 h 51 min
